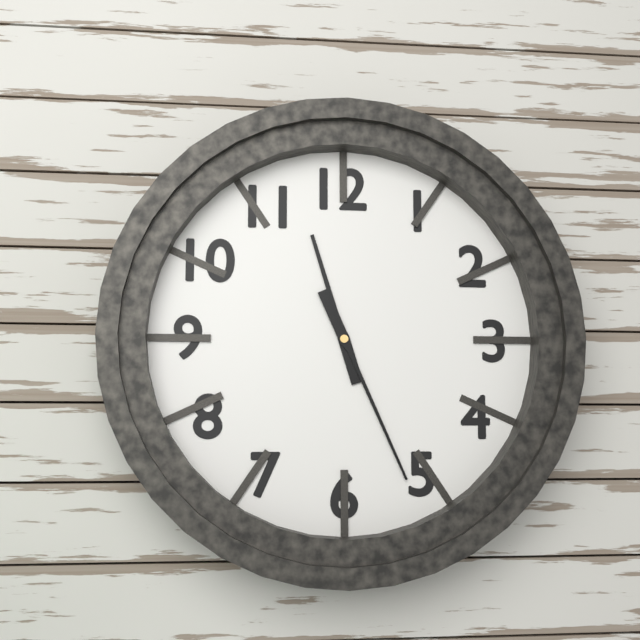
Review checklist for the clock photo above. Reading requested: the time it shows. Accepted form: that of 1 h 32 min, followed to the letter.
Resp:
11 h 26 min
